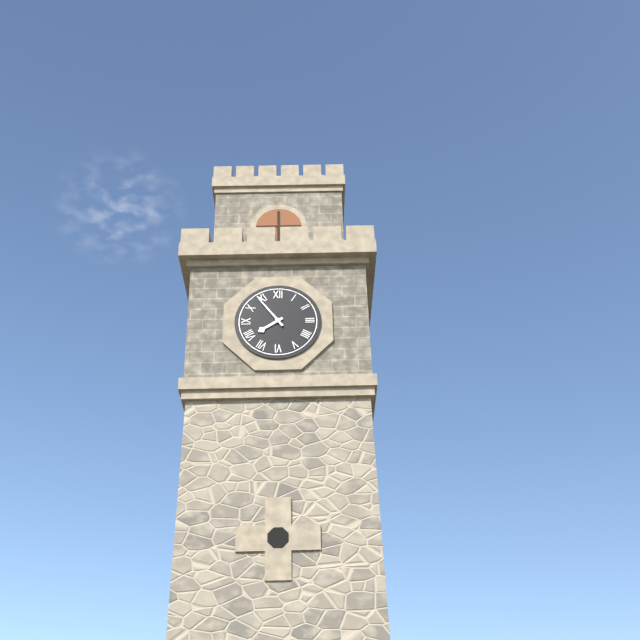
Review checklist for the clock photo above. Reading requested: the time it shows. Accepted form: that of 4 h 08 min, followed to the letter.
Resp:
7 h 54 min
